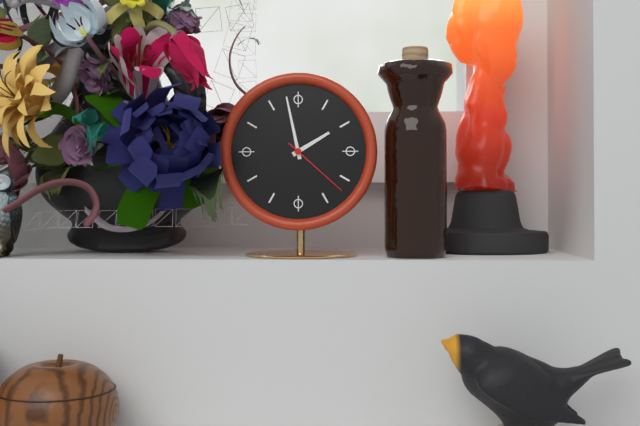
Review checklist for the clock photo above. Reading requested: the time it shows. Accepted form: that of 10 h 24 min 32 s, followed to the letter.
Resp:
1 h 58 min 22 s
